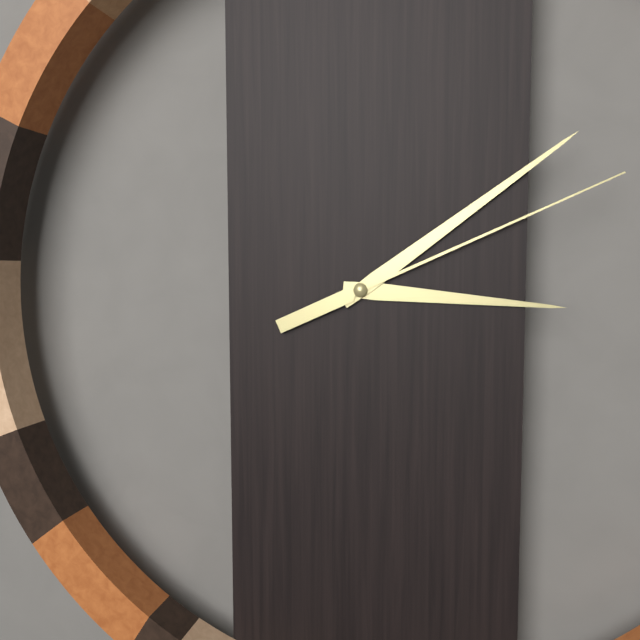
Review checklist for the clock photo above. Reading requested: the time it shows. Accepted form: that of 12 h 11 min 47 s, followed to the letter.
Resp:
3 h 09 min 11 s
